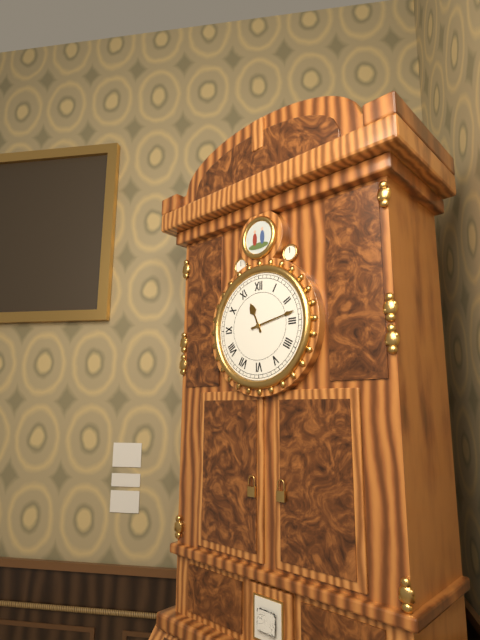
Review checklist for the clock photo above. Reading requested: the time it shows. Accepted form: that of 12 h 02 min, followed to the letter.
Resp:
11 h 13 min
